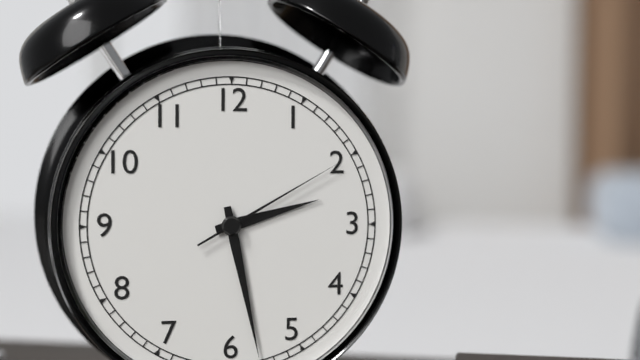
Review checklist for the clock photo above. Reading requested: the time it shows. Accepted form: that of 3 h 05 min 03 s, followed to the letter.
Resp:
2 h 28 min 10 s
